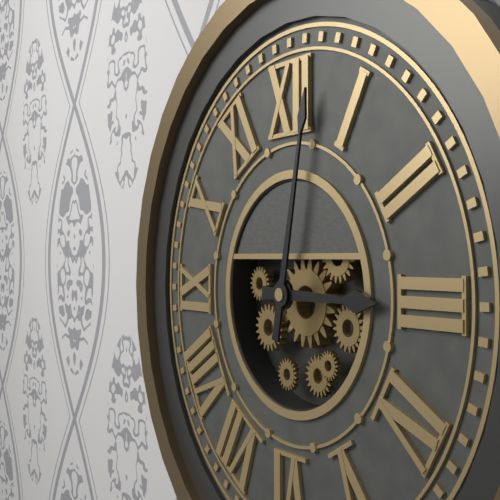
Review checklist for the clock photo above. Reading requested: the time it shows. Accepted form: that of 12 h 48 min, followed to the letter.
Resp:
3 h 02 min
